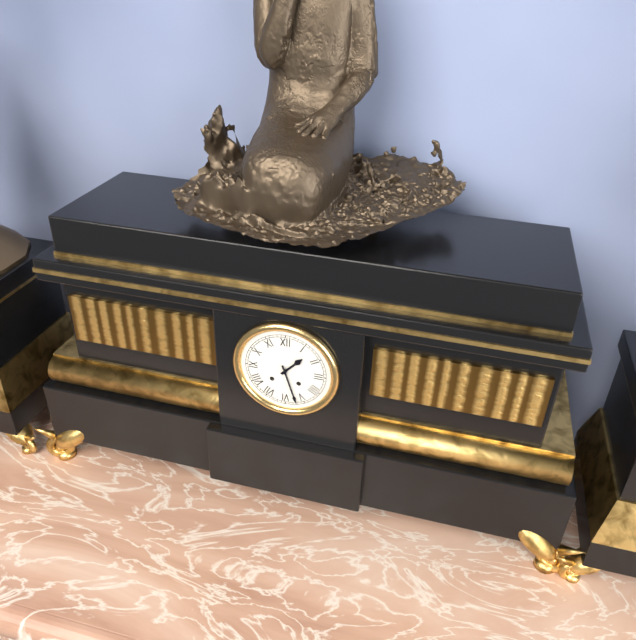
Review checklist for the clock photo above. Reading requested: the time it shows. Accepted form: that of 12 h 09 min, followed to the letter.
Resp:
1 h 27 min
